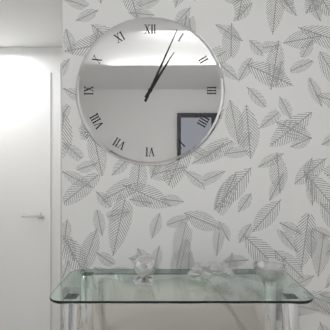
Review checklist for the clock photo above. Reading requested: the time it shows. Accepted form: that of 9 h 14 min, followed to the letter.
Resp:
1 h 04 min
